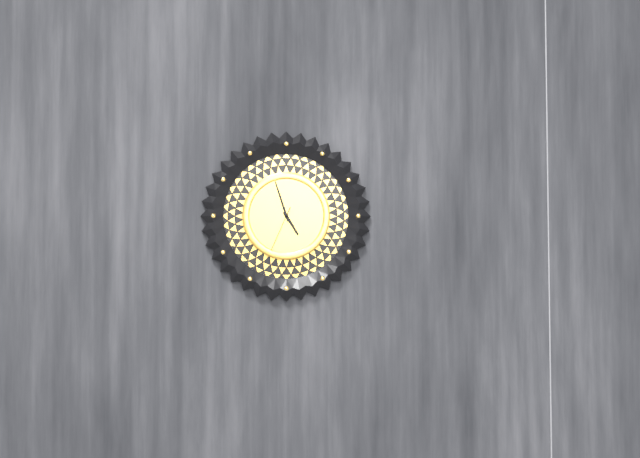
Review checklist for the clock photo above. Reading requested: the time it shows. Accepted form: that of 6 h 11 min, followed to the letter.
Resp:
4 h 57 min
